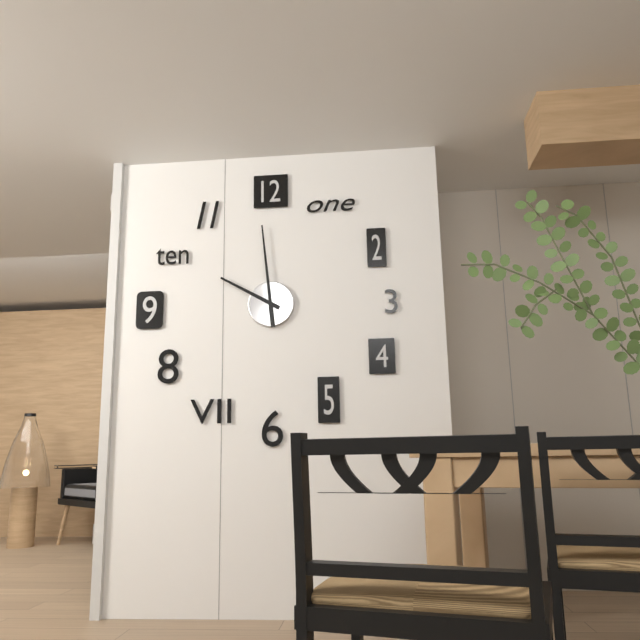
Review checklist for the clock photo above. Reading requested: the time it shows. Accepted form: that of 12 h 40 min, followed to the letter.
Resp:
9 h 59 min
